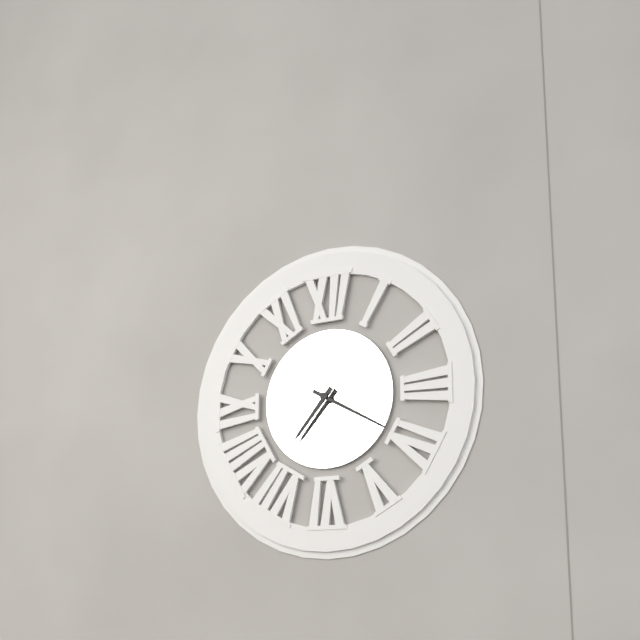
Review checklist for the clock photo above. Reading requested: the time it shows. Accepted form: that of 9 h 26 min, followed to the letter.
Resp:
7 h 20 min
